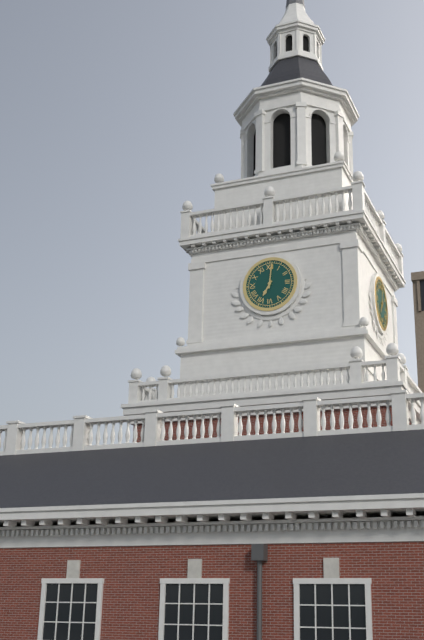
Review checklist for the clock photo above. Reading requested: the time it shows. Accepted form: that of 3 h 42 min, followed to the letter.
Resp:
7 h 01 min
